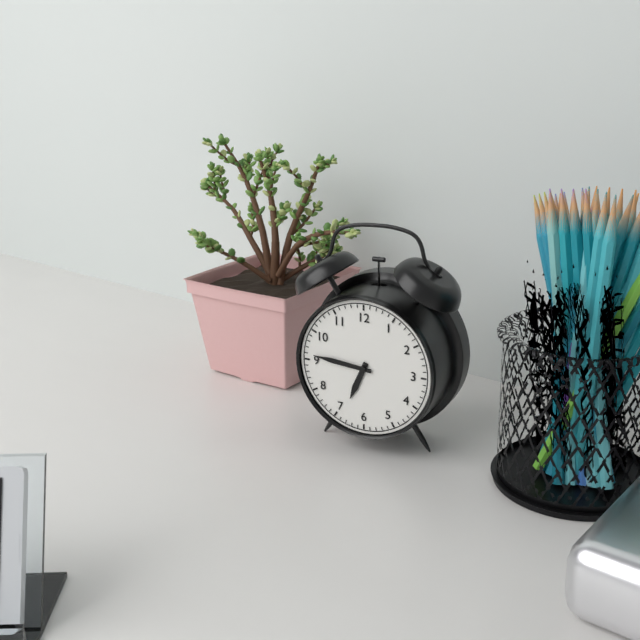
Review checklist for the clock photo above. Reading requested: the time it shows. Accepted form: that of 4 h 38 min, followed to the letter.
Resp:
6 h 46 min
